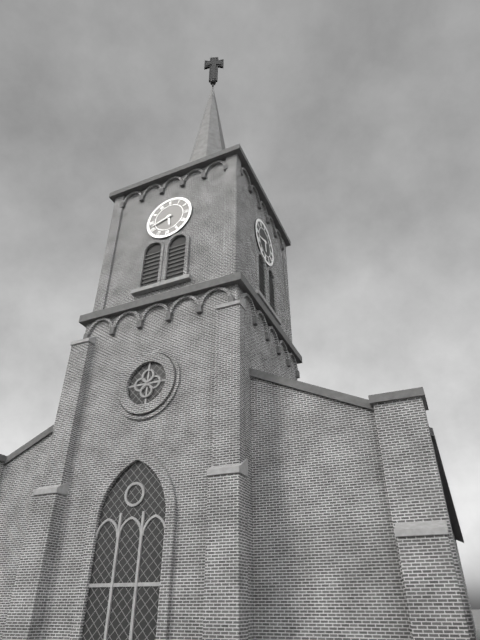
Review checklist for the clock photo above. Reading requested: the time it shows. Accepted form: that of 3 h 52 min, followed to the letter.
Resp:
5 h 42 min
